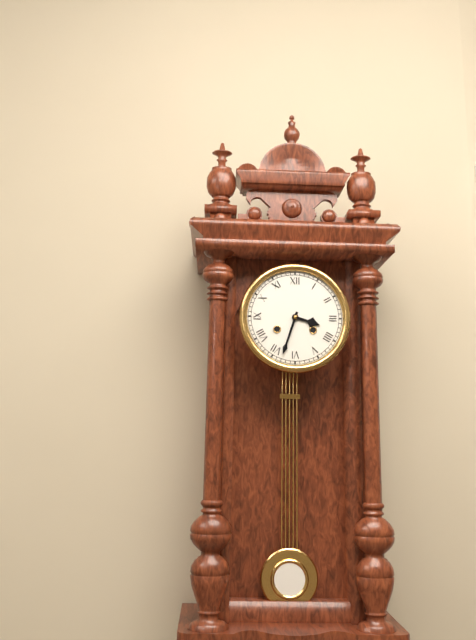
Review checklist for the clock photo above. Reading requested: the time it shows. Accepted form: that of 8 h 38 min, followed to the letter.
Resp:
3 h 33 min
